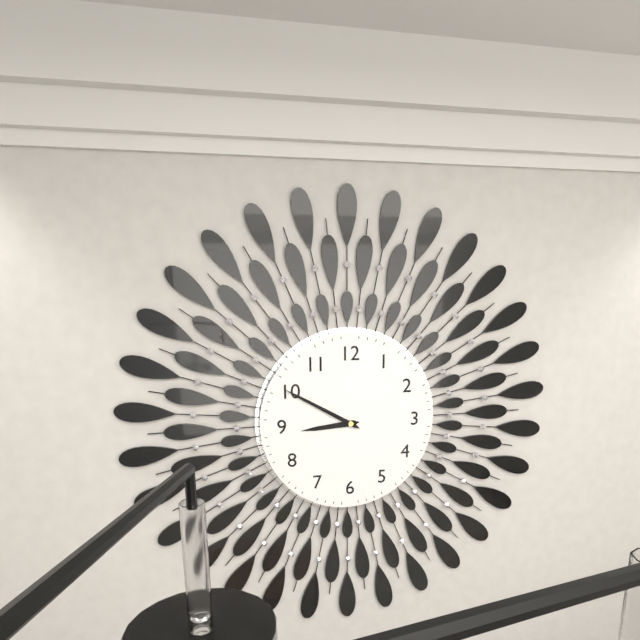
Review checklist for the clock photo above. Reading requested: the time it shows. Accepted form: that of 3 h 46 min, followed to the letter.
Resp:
8 h 50 min
